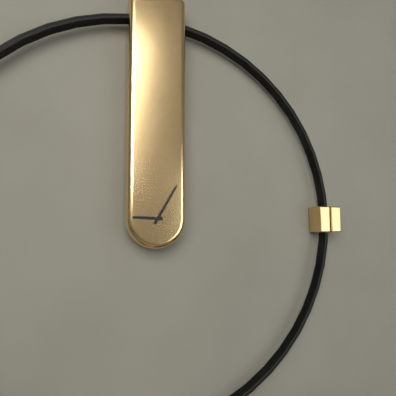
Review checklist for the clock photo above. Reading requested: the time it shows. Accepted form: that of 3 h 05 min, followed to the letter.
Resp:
9 h 05 min
